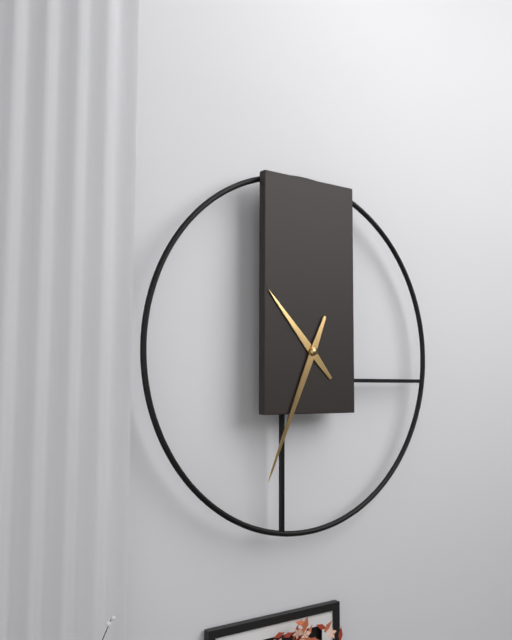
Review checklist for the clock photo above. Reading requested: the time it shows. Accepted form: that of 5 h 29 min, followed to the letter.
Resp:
10 h 34 min
